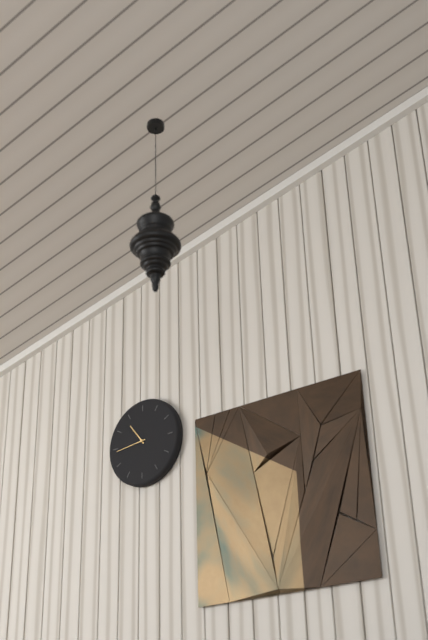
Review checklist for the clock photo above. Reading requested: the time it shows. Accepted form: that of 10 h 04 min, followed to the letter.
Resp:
10 h 44 min
